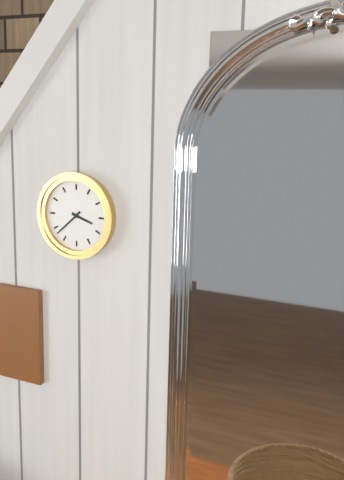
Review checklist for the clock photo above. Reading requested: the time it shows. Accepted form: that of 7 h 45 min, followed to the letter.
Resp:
3 h 38 min
